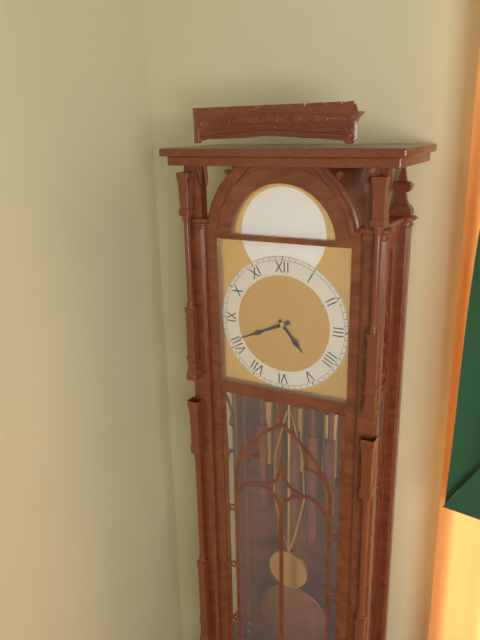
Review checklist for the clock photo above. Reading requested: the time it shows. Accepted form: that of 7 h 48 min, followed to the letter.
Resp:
4 h 41 min
